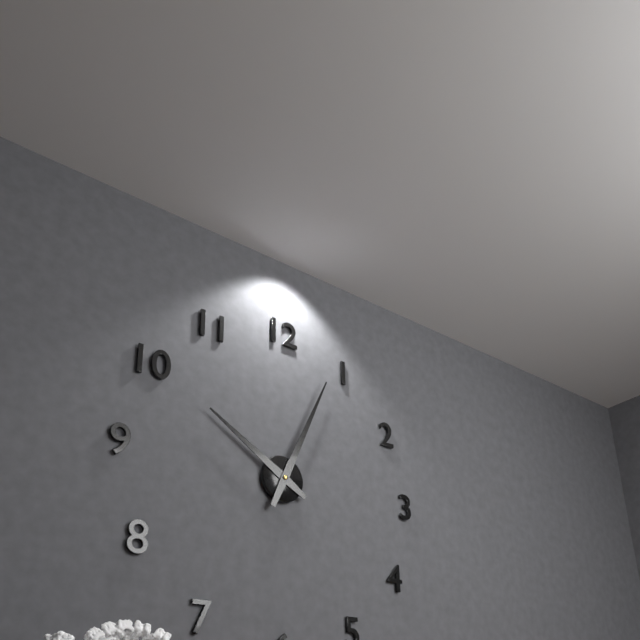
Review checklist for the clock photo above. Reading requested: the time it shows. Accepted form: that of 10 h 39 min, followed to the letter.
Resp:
10 h 04 min
